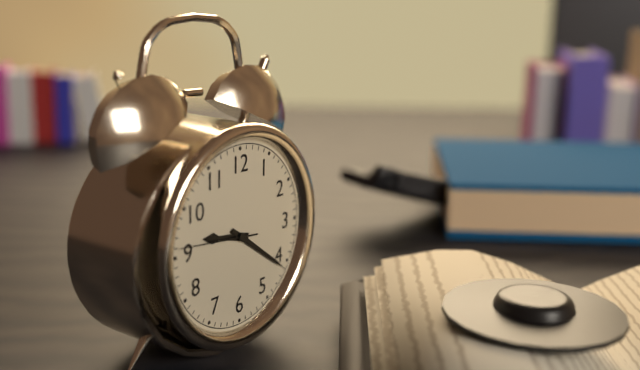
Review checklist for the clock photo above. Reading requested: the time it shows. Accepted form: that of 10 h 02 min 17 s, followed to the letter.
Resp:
9 h 21 min 46 s
